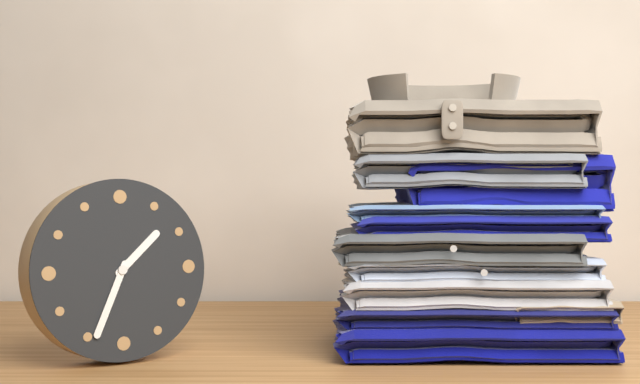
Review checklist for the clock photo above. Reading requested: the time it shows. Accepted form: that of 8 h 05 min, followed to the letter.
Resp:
1 h 34 min
